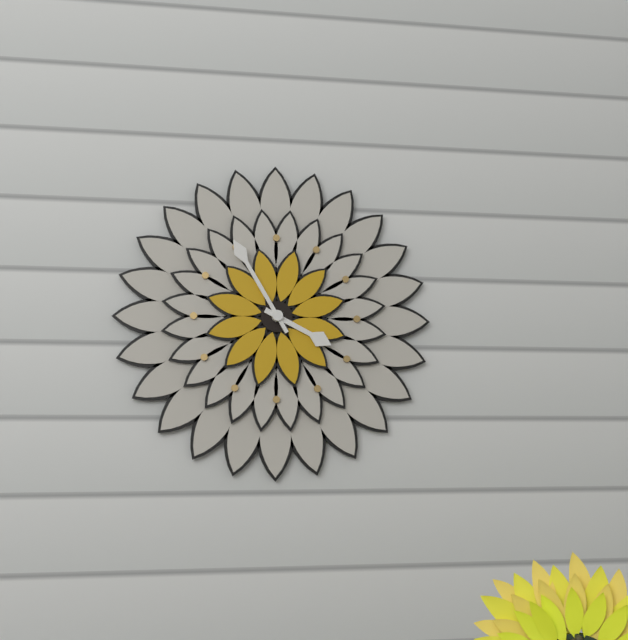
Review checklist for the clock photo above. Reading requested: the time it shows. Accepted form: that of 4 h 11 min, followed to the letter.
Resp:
3 h 55 min
